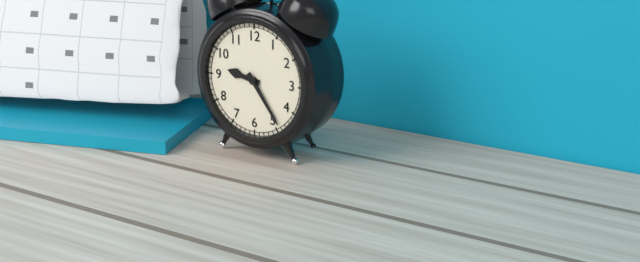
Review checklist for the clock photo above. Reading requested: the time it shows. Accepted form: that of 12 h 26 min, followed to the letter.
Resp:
9 h 24 min
